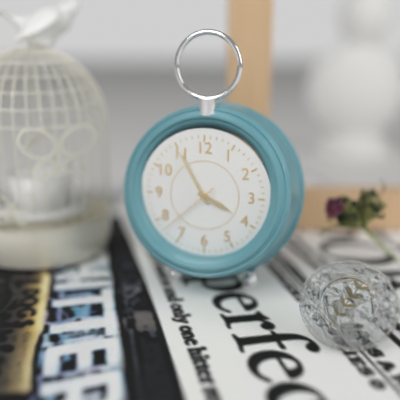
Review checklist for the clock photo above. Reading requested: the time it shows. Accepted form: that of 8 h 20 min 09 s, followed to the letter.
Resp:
3 h 55 min 38 s
